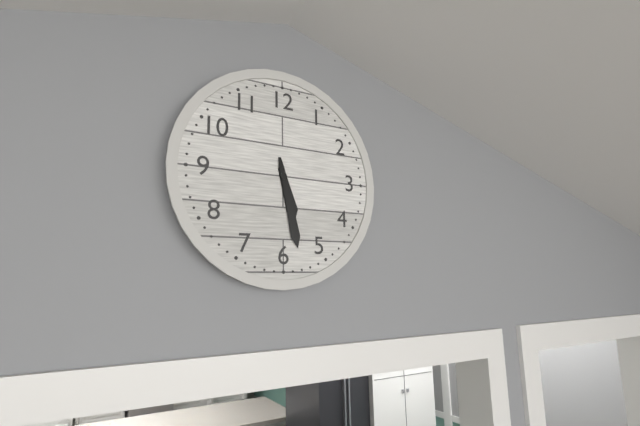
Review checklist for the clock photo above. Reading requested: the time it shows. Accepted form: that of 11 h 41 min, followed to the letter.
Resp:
5 h 28 min
